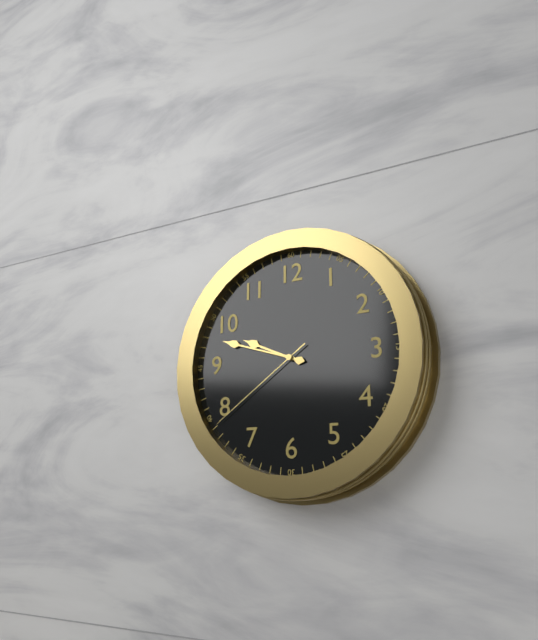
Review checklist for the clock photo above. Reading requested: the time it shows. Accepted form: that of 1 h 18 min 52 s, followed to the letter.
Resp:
9 h 48 min 39 s
